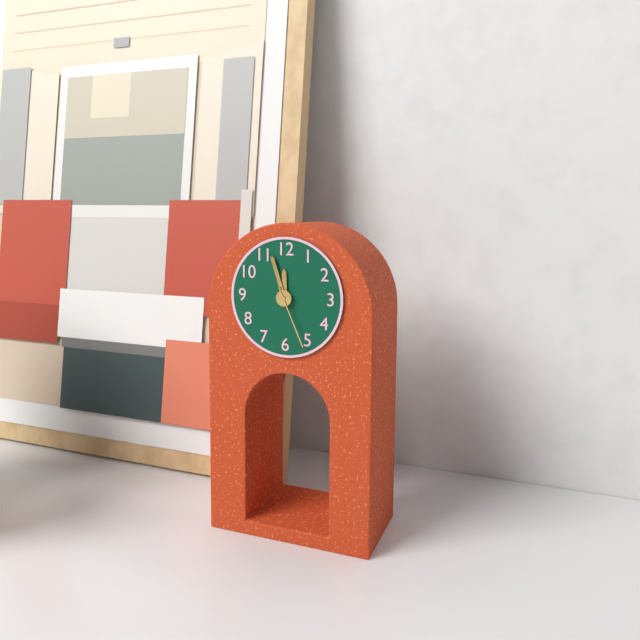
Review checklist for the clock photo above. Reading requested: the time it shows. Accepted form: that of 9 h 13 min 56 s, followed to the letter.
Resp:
11 h 57 min 26 s
